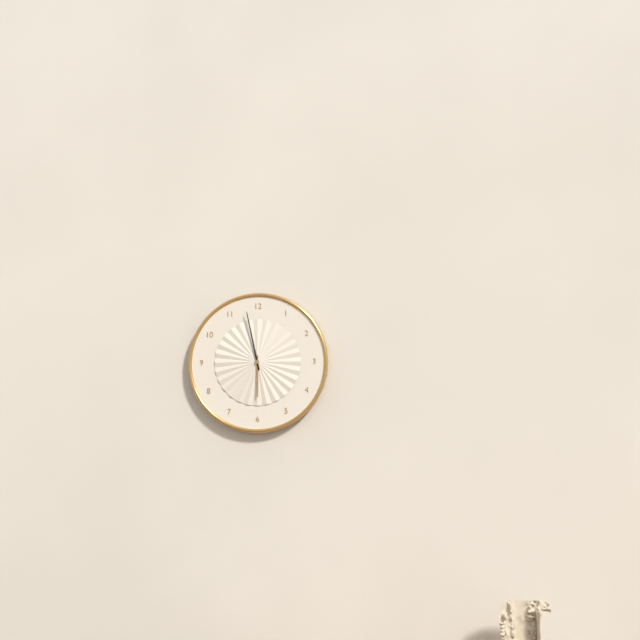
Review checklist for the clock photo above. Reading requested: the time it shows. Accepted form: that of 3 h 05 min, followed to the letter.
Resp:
5 h 58 min
